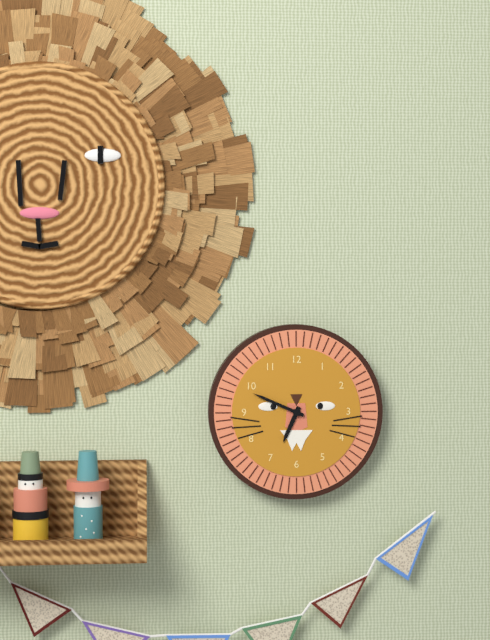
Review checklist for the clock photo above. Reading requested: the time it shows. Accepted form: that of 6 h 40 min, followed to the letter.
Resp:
6 h 49 min
